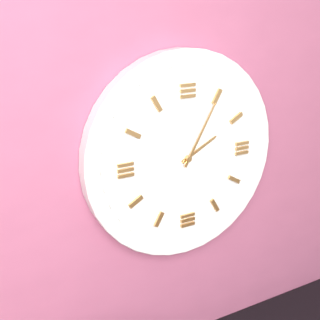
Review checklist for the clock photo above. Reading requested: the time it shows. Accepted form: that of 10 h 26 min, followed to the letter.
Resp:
2 h 05 min
